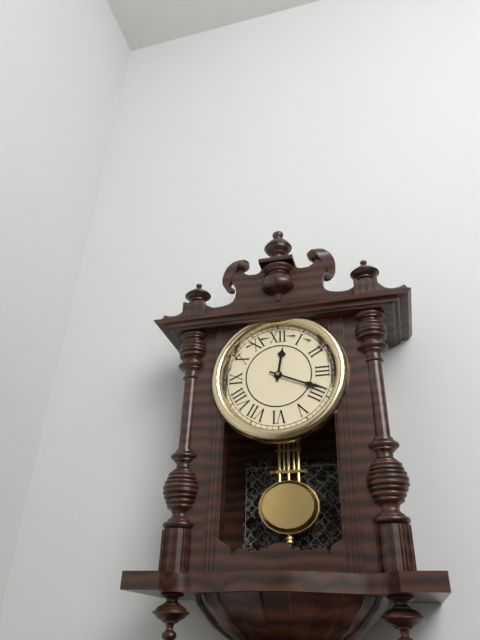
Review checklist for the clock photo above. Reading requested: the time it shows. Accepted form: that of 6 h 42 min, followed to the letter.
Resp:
12 h 19 min
